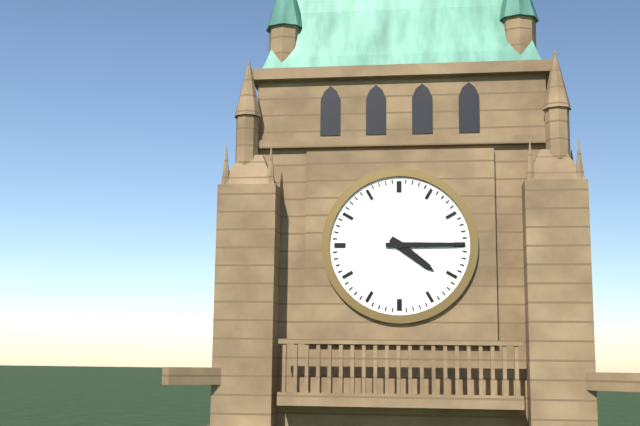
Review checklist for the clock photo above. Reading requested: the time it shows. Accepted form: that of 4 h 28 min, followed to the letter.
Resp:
4 h 15 min
